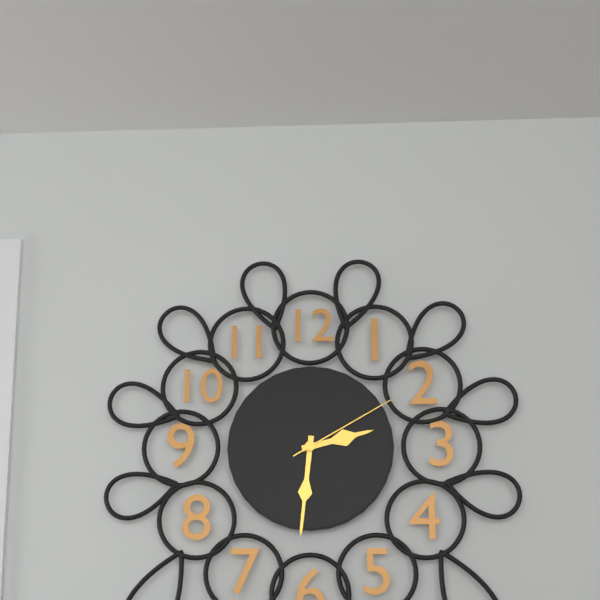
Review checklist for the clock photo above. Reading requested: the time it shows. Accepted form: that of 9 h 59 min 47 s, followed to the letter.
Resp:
2 h 31 min 10 s
